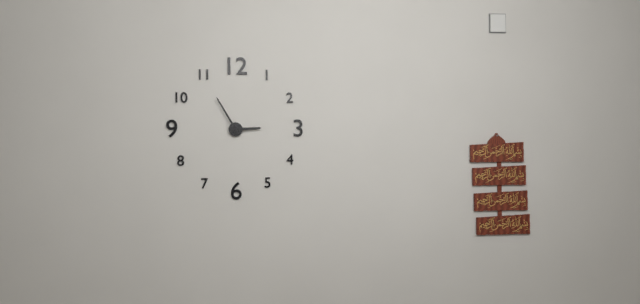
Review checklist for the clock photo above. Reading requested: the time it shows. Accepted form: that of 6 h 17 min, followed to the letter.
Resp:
2 h 55 min
